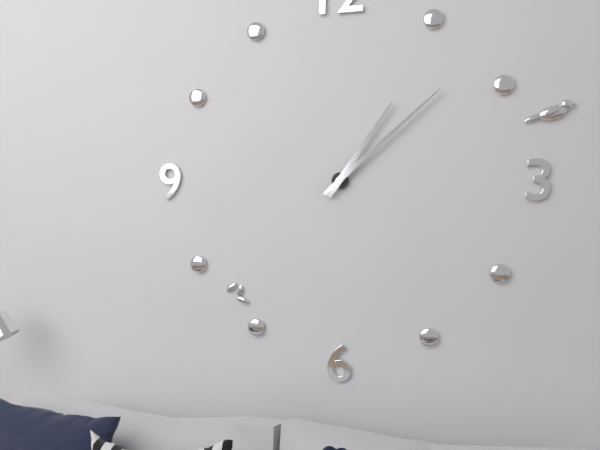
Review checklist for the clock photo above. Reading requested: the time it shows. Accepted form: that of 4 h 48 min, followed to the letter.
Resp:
1 h 08 min
